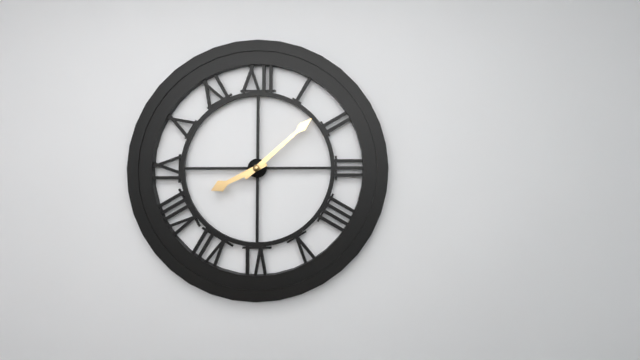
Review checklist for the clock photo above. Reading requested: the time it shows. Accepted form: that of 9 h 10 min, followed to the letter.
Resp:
8 h 08 min
